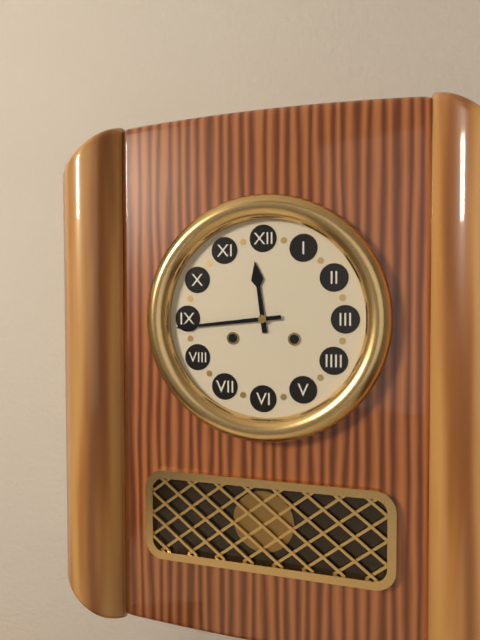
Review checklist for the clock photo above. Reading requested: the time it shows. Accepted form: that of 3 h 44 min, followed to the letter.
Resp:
11 h 44 min
